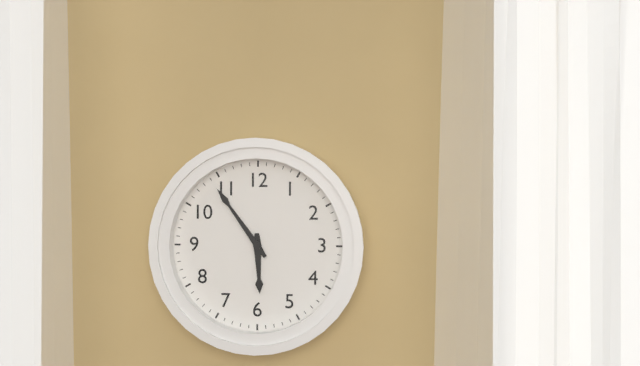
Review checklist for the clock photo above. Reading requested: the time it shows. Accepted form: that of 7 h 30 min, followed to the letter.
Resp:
5 h 54 min
